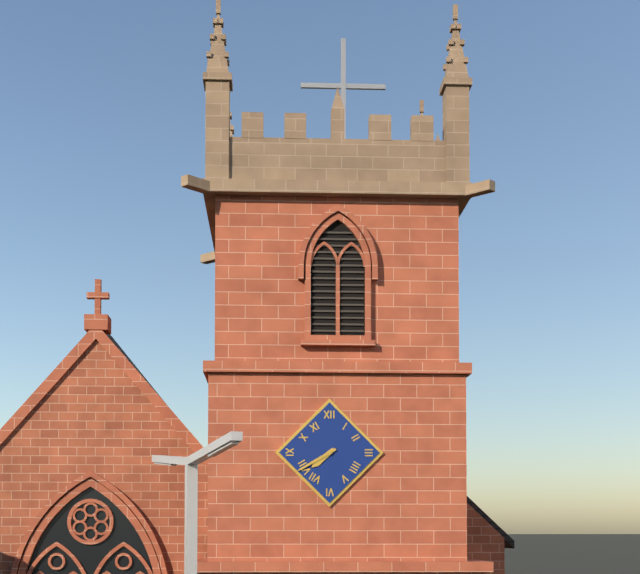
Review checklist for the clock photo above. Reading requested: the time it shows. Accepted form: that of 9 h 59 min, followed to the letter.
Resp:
7 h 40 min
